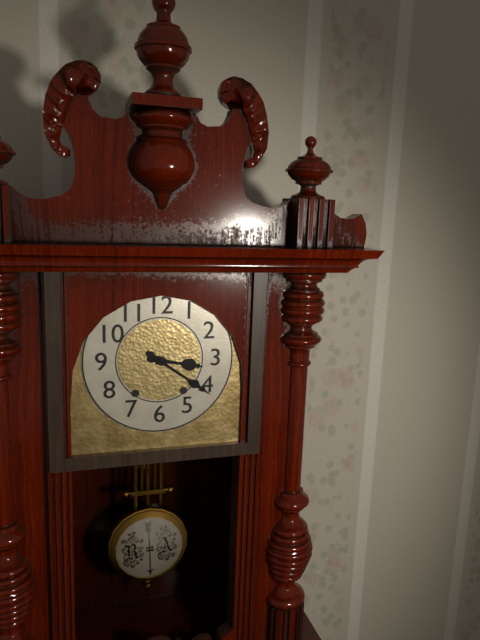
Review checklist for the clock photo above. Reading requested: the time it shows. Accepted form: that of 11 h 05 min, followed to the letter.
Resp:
3 h 21 min
